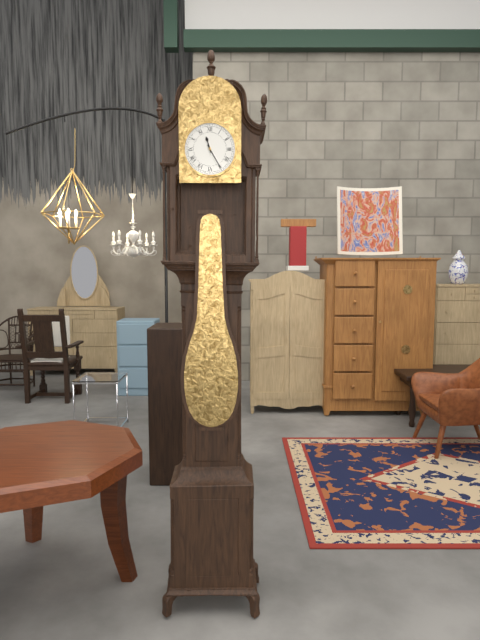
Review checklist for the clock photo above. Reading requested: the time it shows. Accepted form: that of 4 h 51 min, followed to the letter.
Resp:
11 h 25 min
